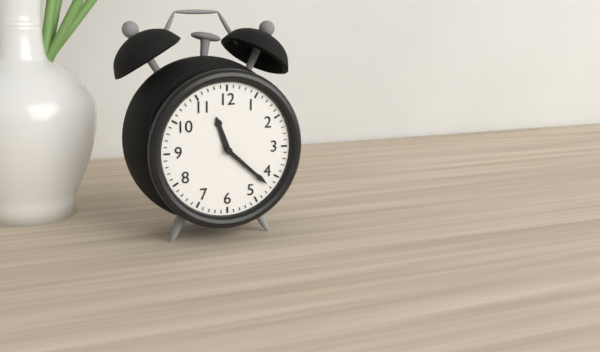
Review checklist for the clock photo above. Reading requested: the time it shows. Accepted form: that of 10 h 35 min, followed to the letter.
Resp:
11 h 22 min
